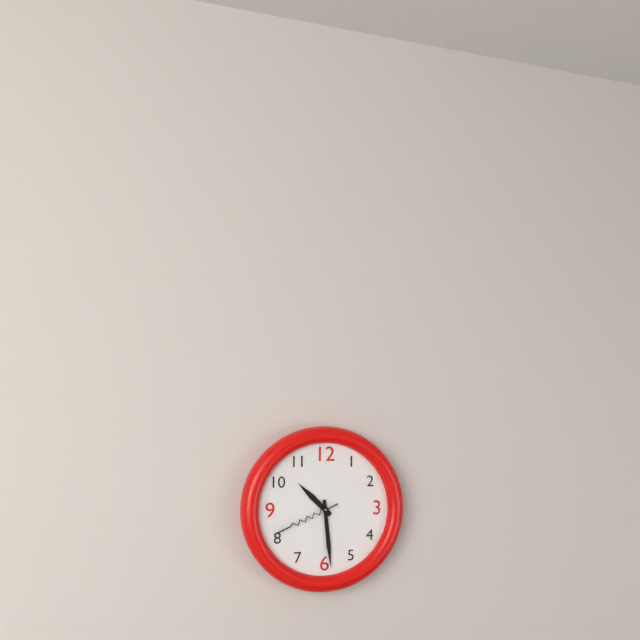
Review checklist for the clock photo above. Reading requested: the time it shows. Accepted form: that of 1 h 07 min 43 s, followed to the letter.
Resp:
10 h 29 min 41 s
